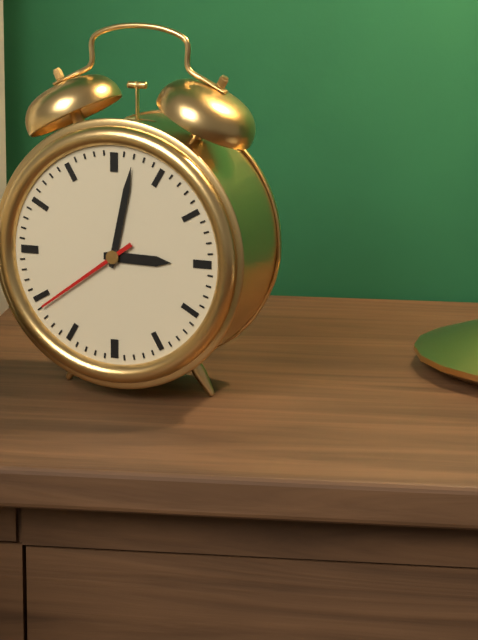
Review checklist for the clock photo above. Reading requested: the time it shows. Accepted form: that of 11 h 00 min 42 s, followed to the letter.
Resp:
3 h 02 min 39 s
